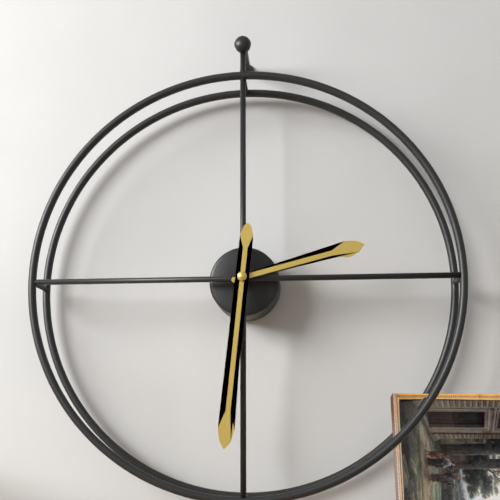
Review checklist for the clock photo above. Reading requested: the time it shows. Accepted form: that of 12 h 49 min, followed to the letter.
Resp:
2 h 31 min
